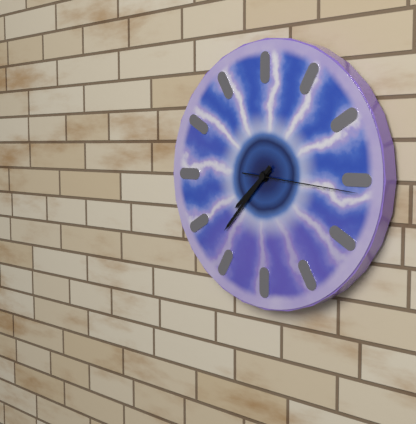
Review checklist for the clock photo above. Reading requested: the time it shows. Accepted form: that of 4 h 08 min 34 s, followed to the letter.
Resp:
7 h 37 min 16 s
